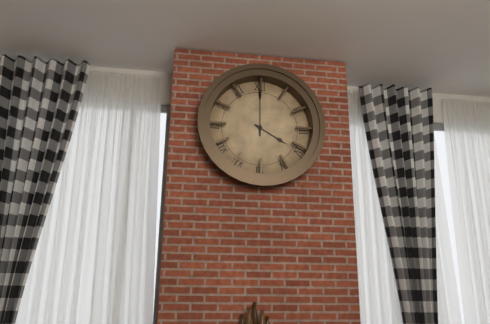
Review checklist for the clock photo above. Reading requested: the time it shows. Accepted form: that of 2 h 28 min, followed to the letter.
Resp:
4 h 00 min
